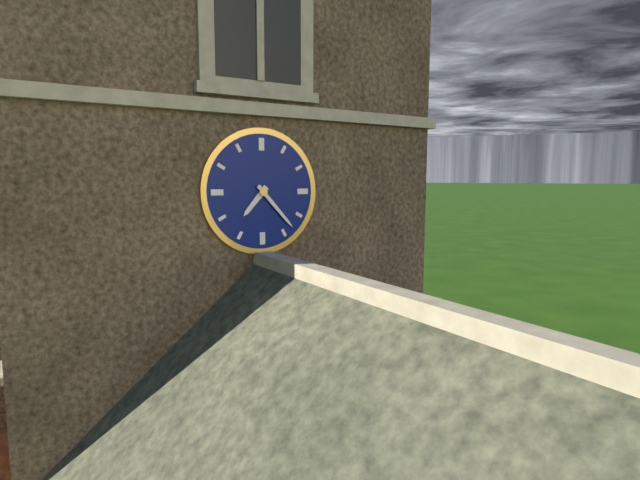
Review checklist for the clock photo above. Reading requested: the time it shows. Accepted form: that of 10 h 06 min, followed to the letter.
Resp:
7 h 23 min
